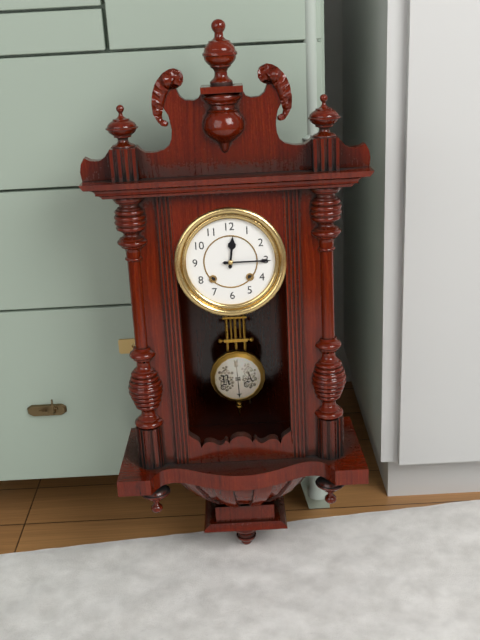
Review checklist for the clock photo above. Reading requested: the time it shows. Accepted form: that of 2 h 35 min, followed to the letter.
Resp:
12 h 15 min
